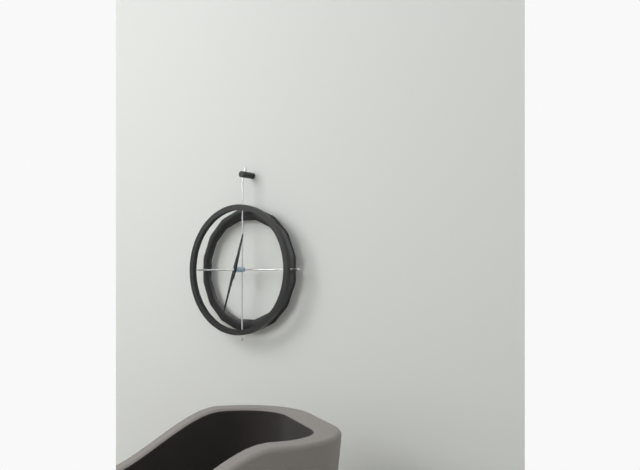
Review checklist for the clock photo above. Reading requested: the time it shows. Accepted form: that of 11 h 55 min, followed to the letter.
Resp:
12 h 33 min
